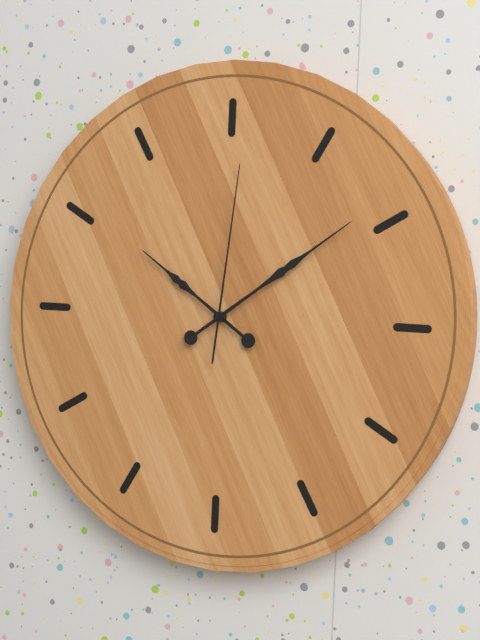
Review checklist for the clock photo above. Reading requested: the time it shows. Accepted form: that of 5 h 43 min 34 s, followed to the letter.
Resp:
10 h 09 min 01 s
